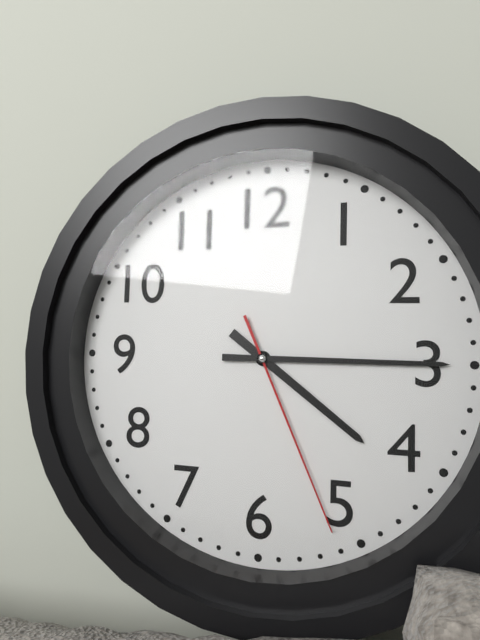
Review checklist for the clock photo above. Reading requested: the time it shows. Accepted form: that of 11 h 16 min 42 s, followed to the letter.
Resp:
4 h 15 min 26 s
